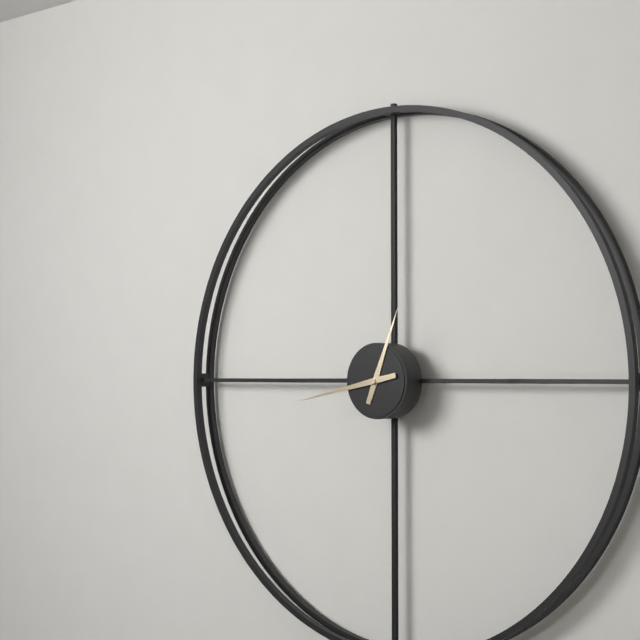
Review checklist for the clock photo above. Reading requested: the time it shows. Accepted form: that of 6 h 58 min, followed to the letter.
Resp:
12 h 43 min
